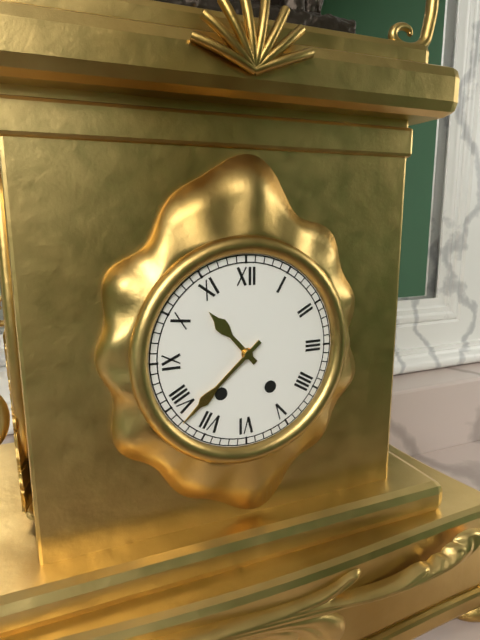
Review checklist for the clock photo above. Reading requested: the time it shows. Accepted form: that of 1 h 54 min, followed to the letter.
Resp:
10 h 38 min
